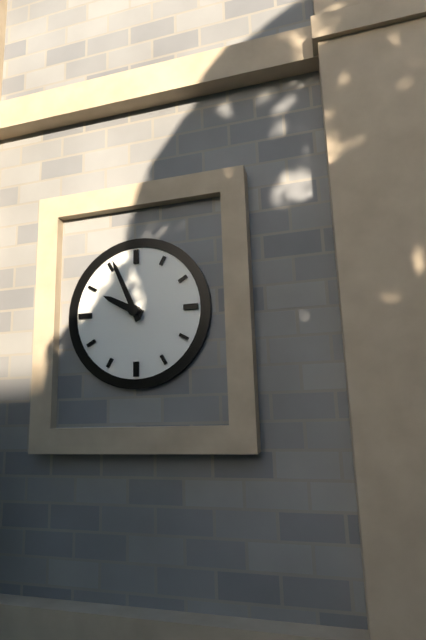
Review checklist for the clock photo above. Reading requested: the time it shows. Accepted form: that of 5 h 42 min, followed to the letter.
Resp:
9 h 56 min
